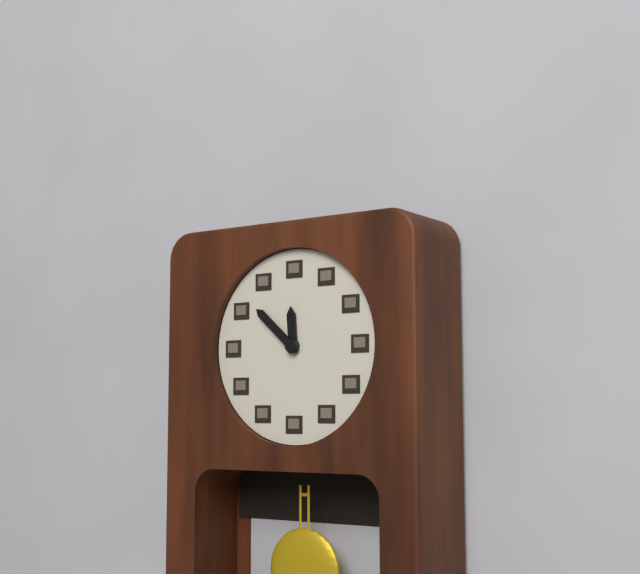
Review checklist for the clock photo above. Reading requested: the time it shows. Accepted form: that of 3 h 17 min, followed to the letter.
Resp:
11 h 52 min
